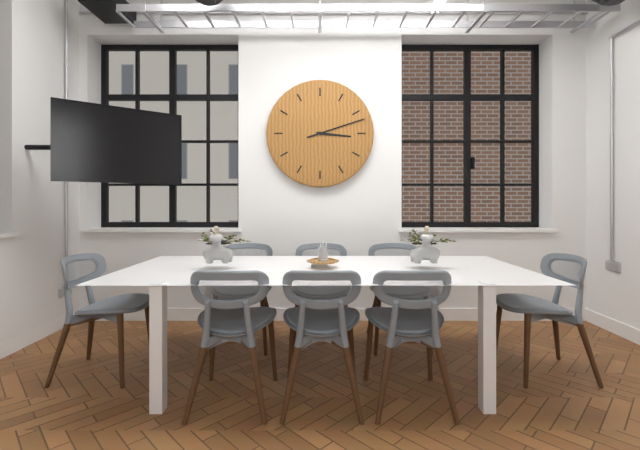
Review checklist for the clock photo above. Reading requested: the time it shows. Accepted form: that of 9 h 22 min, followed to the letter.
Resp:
3 h 12 min
